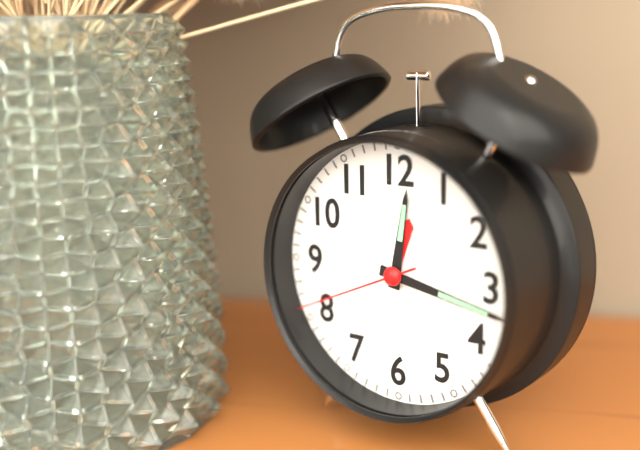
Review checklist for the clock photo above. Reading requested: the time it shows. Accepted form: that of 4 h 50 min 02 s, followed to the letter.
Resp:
12 h 17 min 41 s
